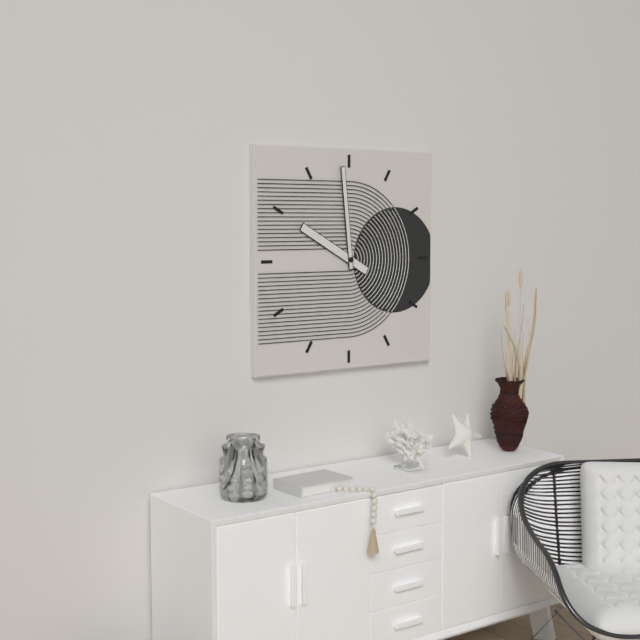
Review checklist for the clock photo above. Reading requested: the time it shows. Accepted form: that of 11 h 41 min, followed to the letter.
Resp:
9 h 59 min
